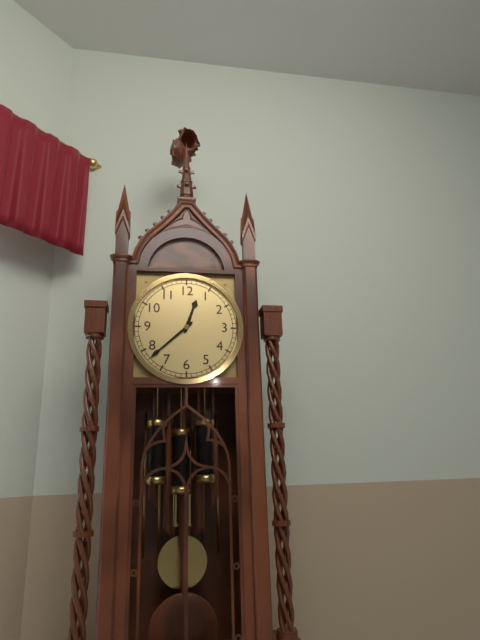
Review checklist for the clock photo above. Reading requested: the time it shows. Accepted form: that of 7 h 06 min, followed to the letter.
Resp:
12 h 38 min
